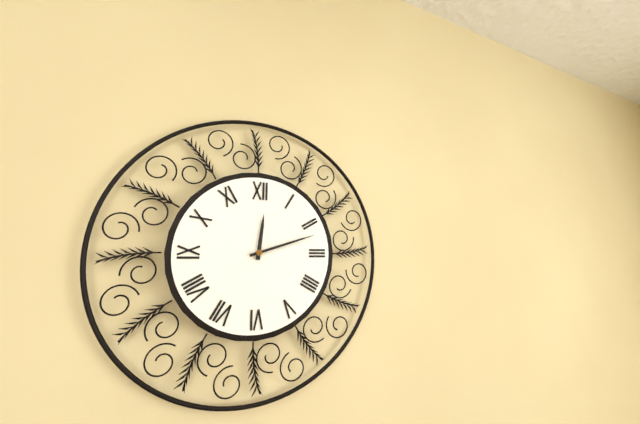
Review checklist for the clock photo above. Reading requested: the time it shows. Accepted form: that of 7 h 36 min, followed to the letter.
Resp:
12 h 12 min
